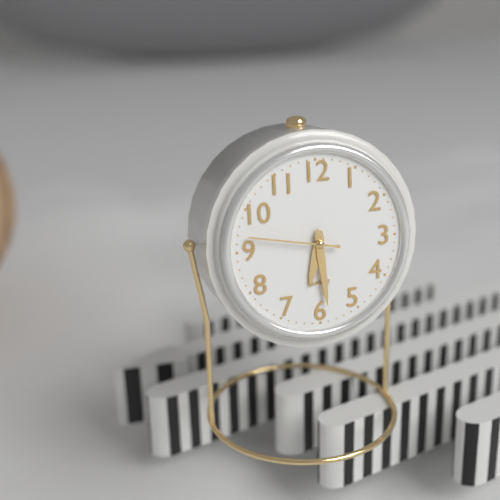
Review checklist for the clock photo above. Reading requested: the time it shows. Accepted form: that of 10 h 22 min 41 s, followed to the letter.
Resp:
6 h 29 min 47 s
